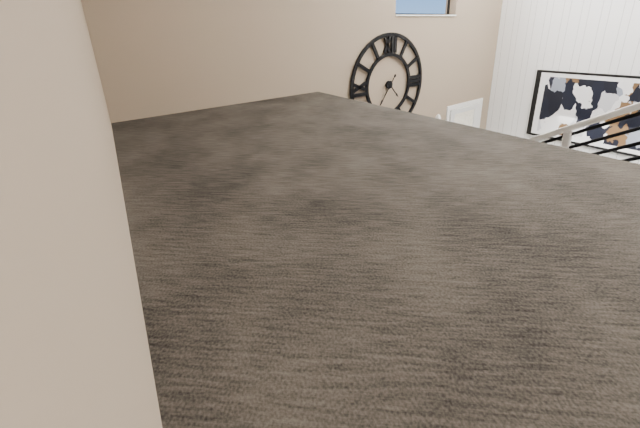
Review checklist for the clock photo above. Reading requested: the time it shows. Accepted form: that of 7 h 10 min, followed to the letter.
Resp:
4 h 36 min
